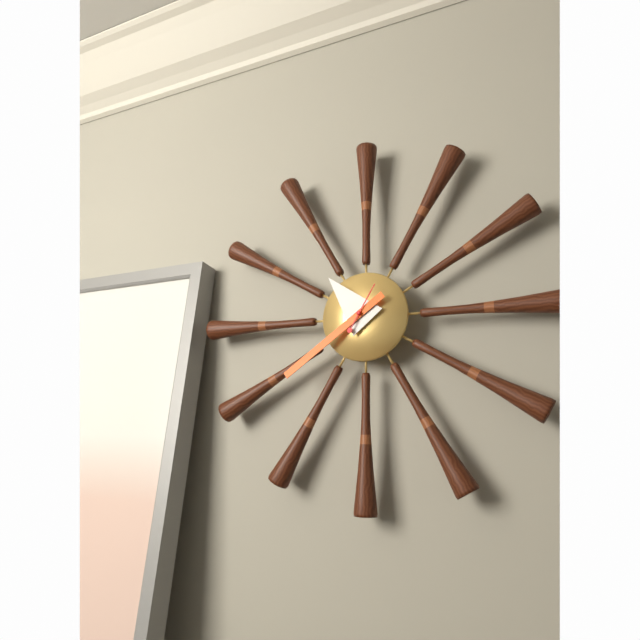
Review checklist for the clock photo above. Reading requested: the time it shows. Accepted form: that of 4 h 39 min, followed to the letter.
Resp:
10 h 39 min
